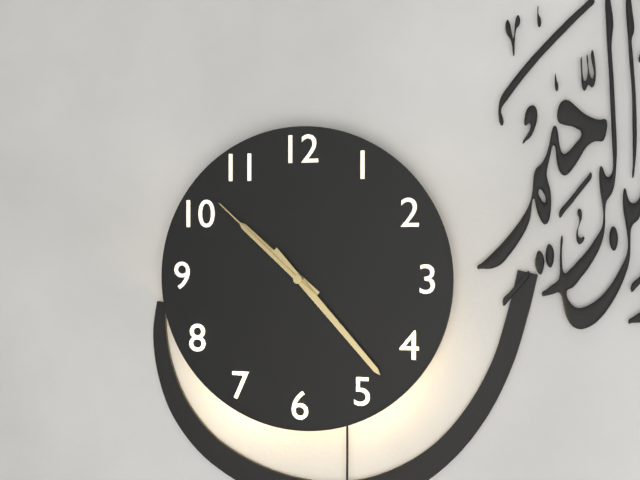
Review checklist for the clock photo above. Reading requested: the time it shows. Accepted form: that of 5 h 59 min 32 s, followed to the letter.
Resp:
10 h 23 min 52 s
